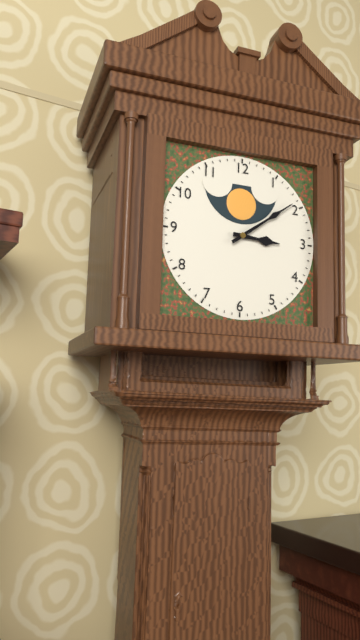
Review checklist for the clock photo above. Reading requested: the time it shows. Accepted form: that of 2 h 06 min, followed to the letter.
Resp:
3 h 09 min
